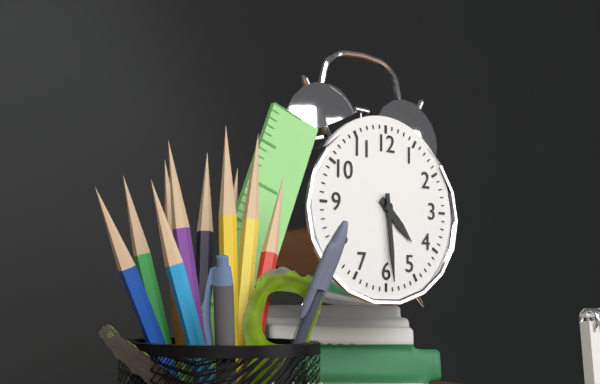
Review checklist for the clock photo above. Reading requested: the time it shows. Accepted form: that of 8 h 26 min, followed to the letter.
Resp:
4 h 29 min
